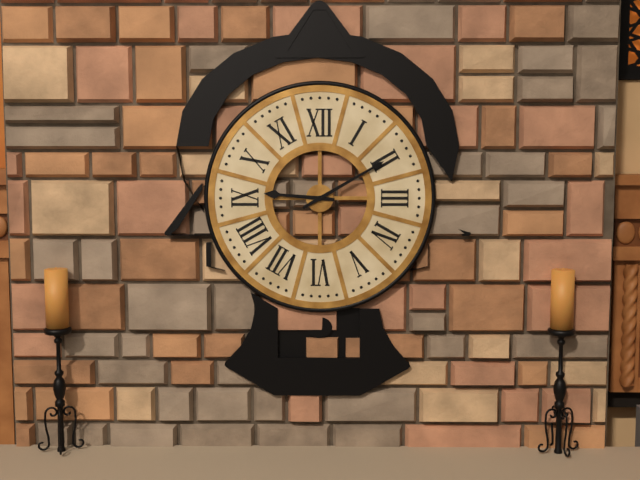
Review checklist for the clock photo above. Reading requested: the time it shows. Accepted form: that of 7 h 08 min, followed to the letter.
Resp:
9 h 10 min
